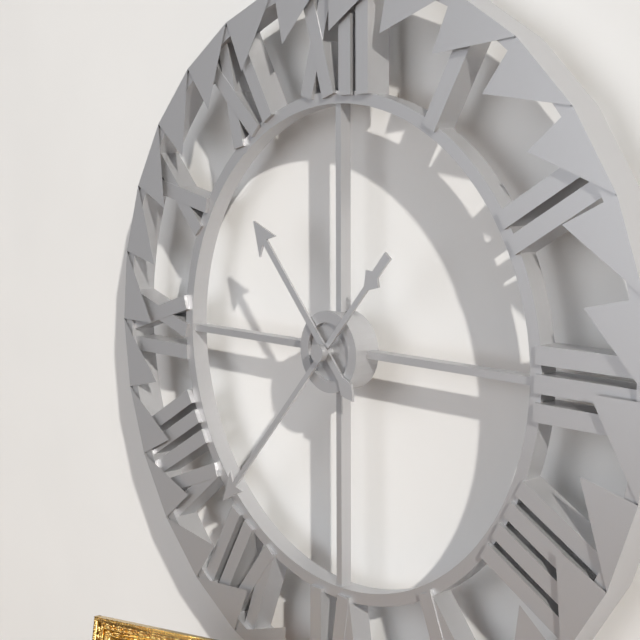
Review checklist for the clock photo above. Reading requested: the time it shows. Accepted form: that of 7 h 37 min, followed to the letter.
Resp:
10 h 37 min
